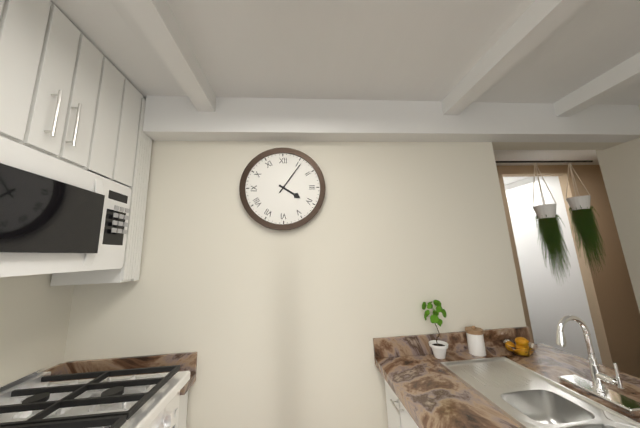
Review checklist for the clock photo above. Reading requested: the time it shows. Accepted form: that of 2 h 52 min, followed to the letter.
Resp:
4 h 06 min
